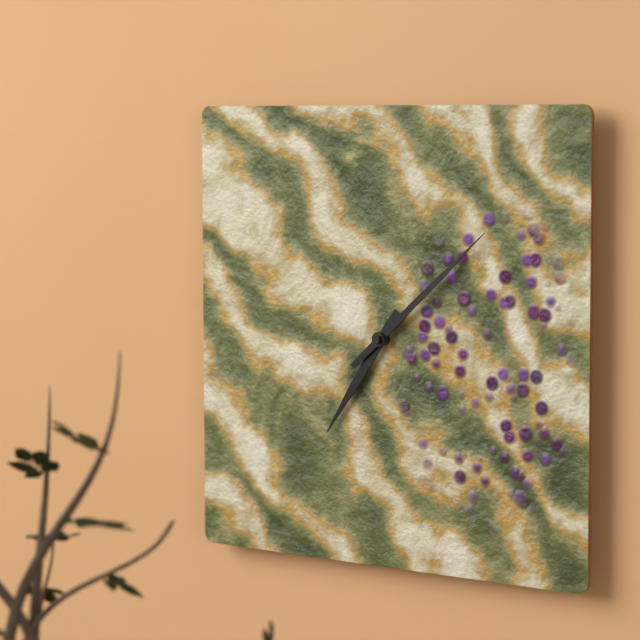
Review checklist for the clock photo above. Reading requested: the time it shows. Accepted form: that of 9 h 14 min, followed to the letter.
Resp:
7 h 08 min
